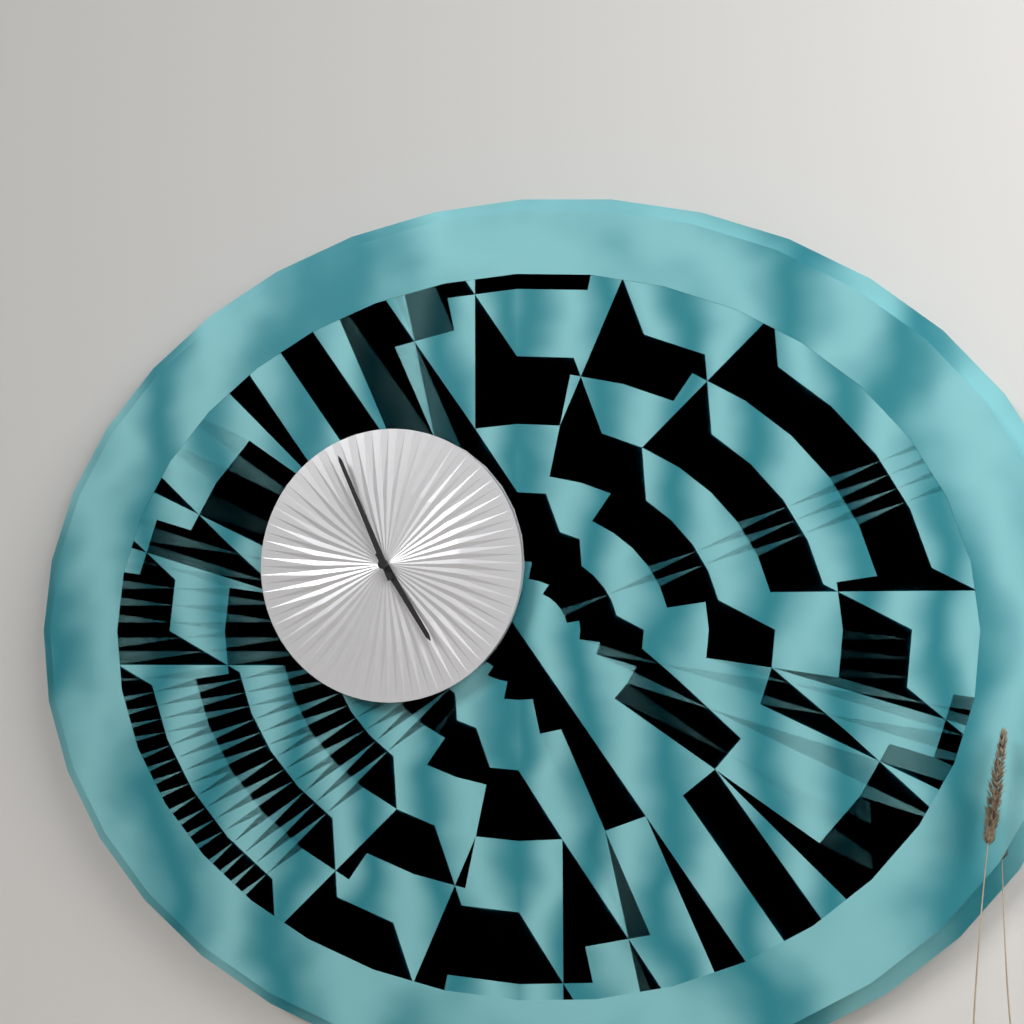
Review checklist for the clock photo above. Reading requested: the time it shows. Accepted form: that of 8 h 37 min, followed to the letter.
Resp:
4 h 56 min
